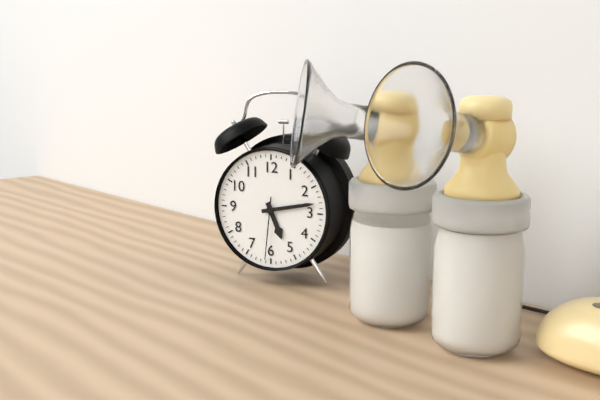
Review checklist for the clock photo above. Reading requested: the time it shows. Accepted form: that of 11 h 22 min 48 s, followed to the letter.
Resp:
5 h 13 min 31 s
